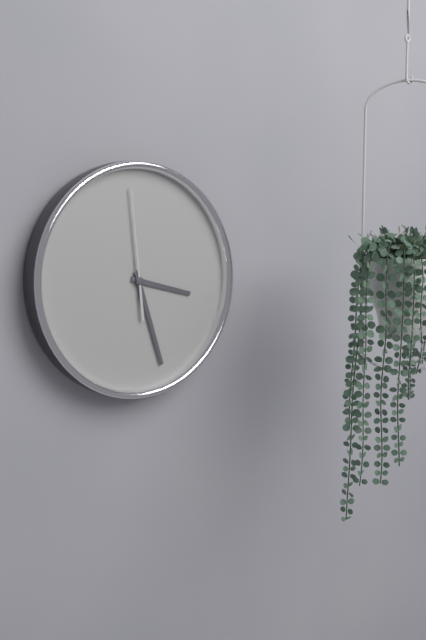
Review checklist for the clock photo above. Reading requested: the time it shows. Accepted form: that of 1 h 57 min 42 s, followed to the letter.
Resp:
3 h 27 min 59 s
